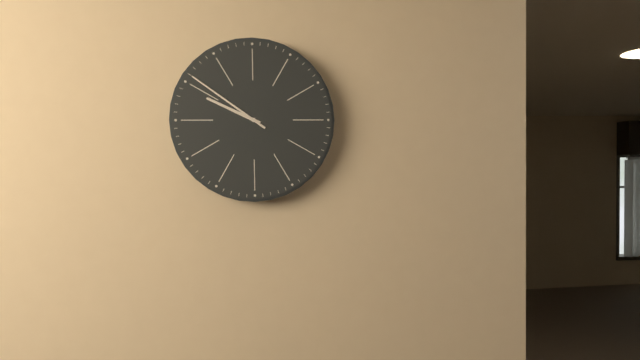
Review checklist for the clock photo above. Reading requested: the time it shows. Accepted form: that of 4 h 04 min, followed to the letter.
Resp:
9 h 51 min
